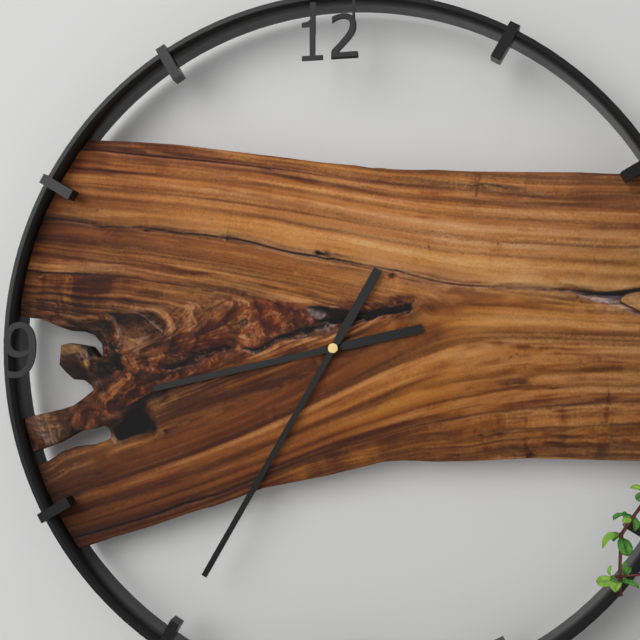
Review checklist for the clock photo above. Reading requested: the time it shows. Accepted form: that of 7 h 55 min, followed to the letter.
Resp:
8 h 35 min
